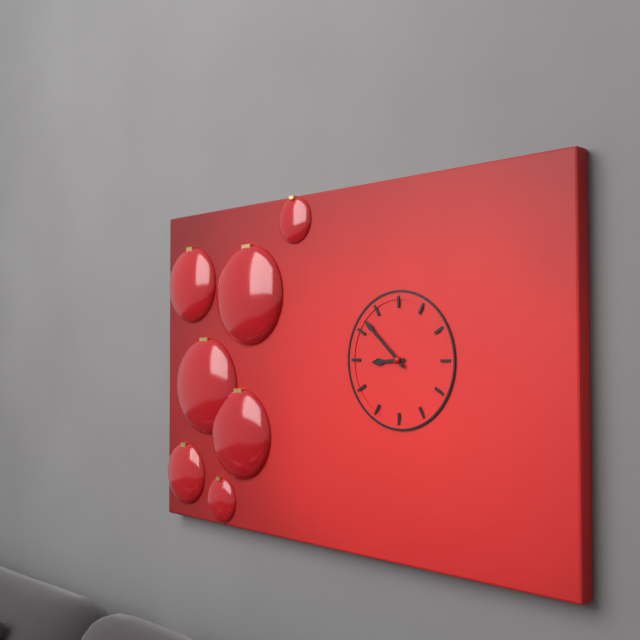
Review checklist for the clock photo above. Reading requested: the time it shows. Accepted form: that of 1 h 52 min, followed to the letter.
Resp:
8 h 52 min
